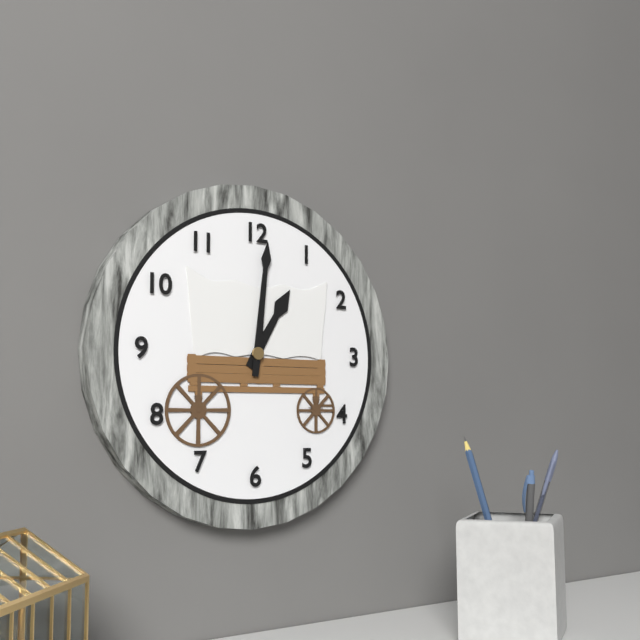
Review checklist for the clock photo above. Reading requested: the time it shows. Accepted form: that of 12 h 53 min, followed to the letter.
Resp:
1 h 01 min
